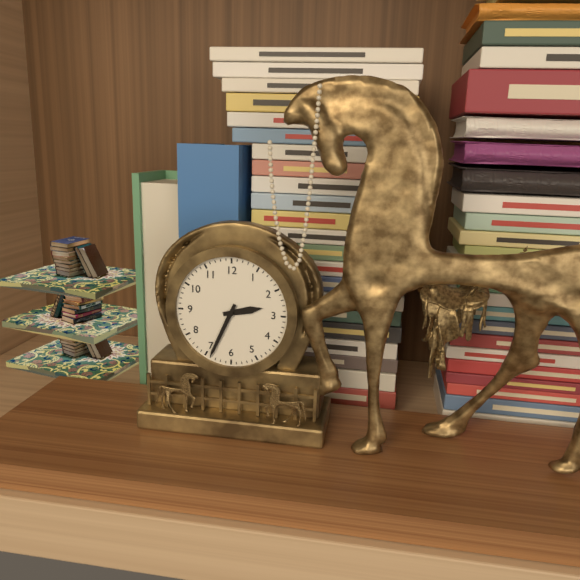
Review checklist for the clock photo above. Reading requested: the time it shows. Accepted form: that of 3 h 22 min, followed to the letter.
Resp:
2 h 34 min
